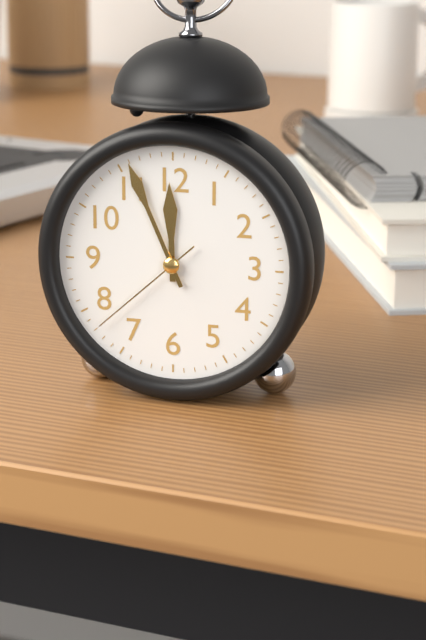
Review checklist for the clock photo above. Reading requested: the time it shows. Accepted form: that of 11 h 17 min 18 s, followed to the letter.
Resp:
11 h 56 min 38 s
